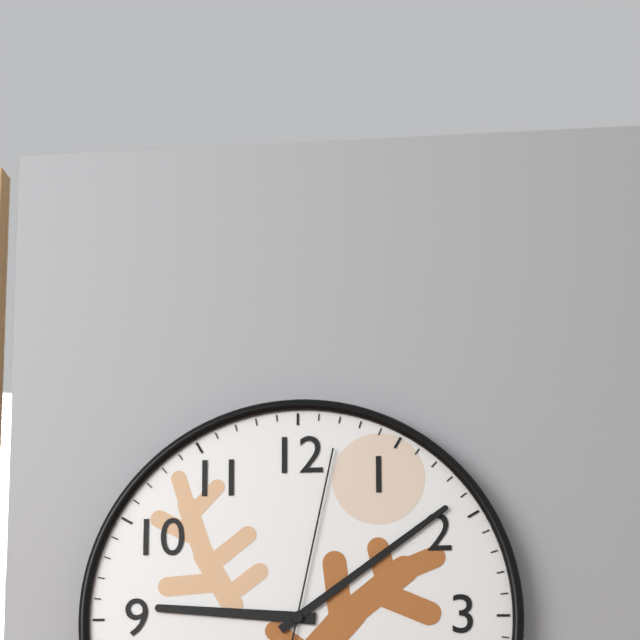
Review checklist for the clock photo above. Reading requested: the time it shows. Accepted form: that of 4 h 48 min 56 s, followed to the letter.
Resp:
9 h 09 min 02 s
